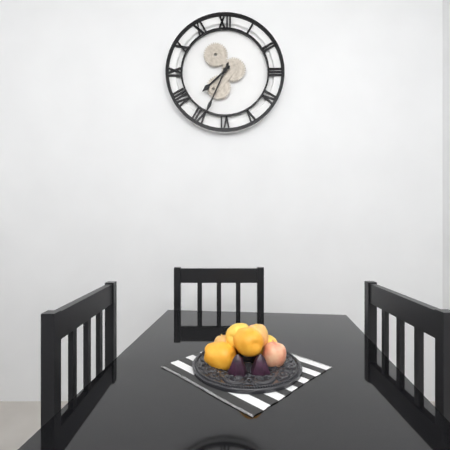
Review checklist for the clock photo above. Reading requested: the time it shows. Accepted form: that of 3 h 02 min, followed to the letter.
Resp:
7 h 34 min
